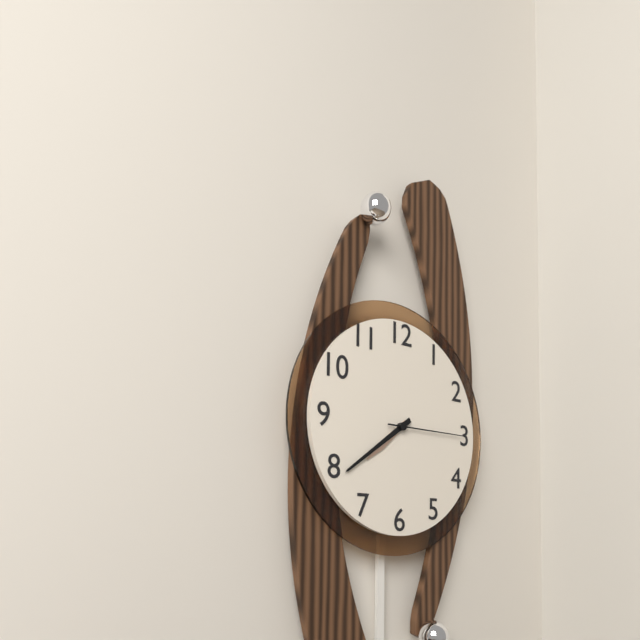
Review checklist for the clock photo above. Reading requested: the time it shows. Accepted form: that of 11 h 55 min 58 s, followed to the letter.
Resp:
7 h 39 min 15 s
